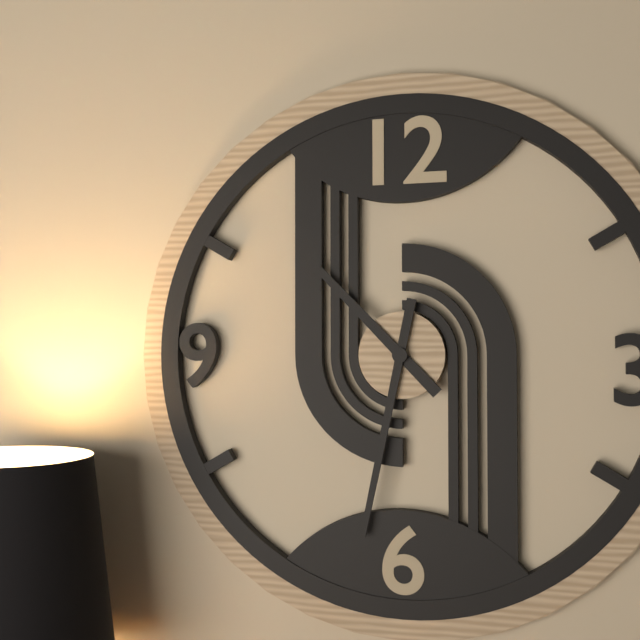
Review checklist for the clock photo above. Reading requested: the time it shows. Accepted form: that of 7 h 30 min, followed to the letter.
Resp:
10 h 32 min
